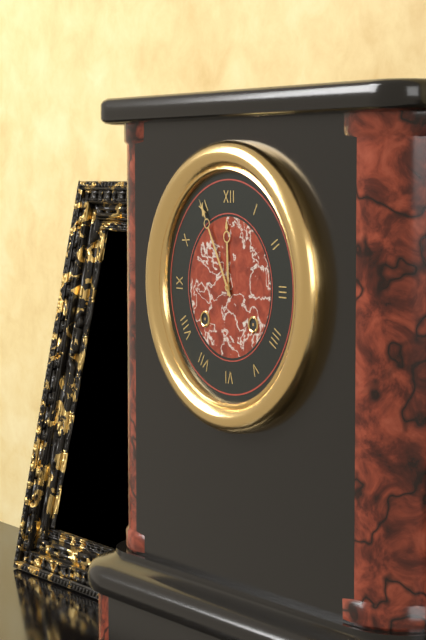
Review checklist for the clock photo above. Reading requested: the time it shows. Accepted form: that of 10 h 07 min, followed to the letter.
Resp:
11 h 55 min
